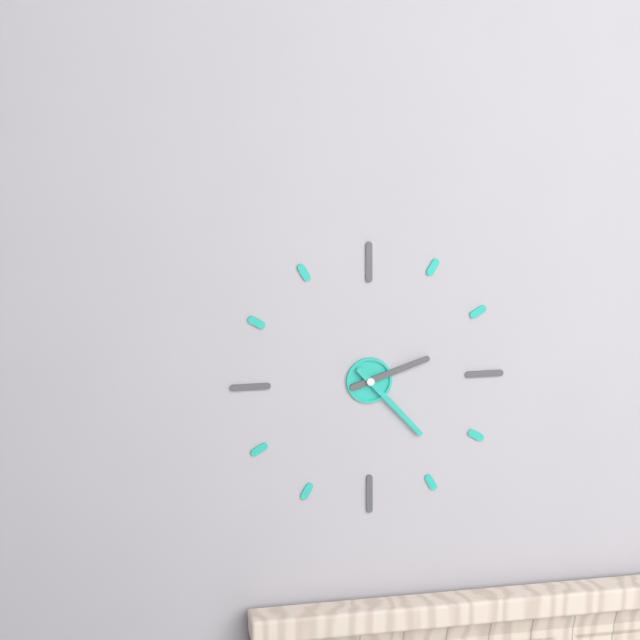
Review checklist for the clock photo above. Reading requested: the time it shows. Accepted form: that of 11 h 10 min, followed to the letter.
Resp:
2 h 23 min
